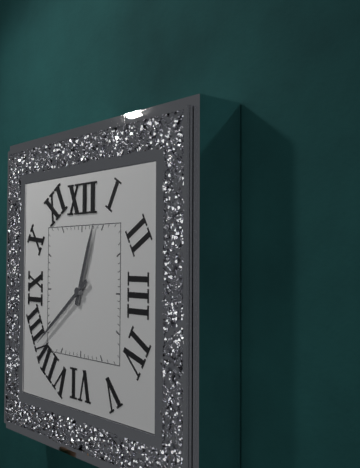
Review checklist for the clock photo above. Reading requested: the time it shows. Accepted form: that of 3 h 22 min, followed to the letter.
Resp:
12 h 39 min
